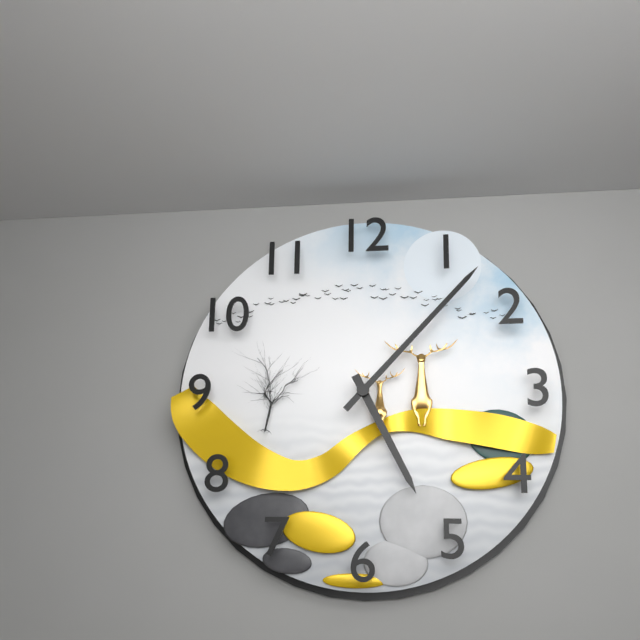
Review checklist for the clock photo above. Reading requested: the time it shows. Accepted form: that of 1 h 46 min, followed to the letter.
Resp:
5 h 07 min
